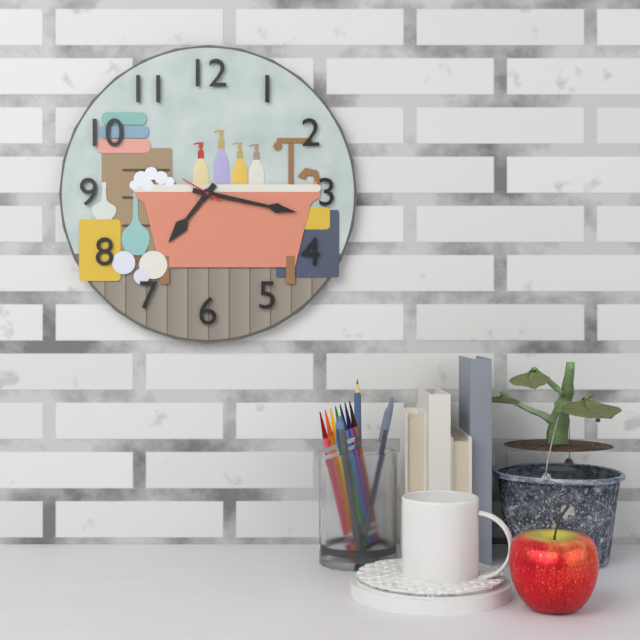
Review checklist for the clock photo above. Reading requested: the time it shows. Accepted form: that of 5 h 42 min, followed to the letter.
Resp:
7 h 17 min
